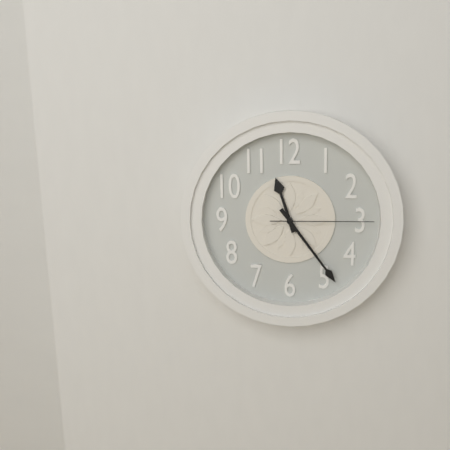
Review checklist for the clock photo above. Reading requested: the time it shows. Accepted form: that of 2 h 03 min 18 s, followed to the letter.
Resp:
11 h 24 min 15 s
